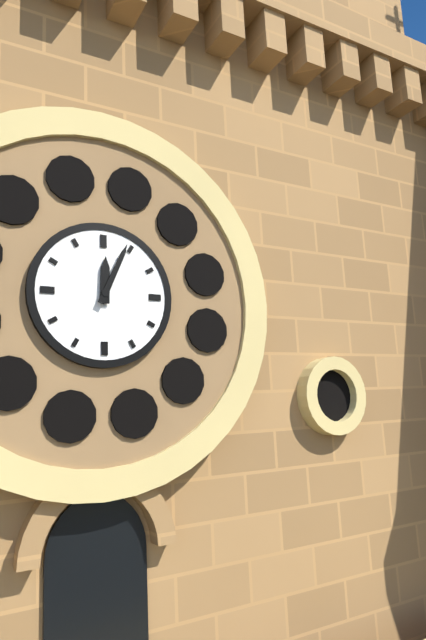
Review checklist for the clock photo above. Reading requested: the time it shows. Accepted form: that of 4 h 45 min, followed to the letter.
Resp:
12 h 04 min
